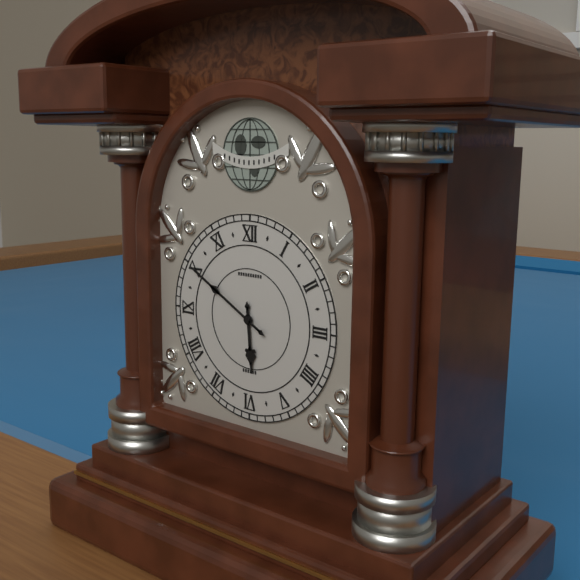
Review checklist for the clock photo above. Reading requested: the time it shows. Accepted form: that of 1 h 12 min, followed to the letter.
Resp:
5 h 50 min
